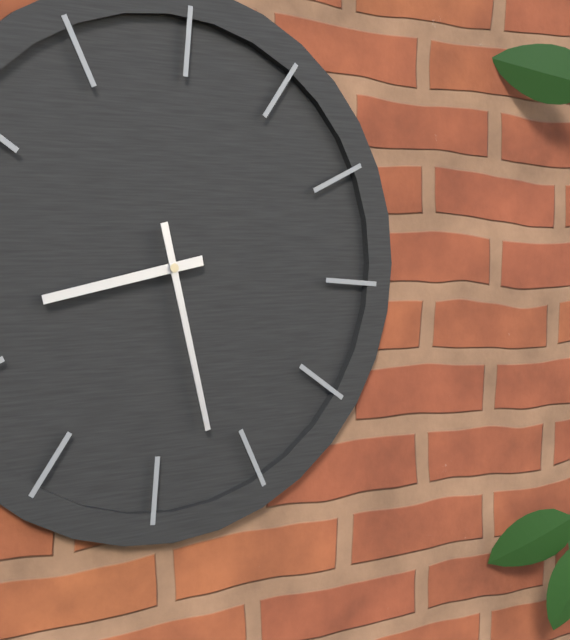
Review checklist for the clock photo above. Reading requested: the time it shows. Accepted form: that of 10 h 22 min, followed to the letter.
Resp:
8 h 27 min
